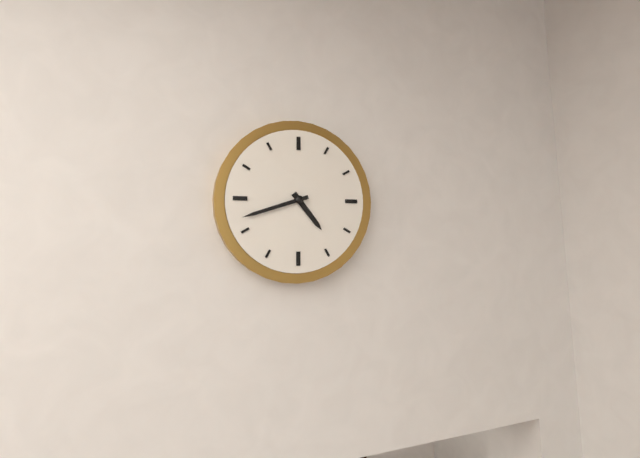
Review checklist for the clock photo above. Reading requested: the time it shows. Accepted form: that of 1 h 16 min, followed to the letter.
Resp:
4 h 42 min
